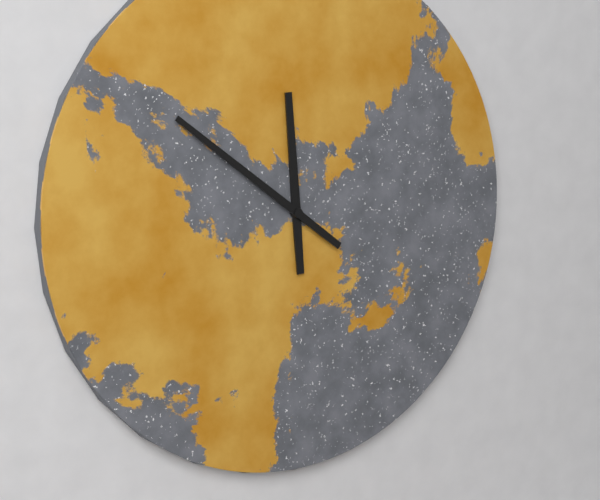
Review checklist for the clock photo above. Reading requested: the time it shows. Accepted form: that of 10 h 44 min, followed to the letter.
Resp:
11 h 51 min
